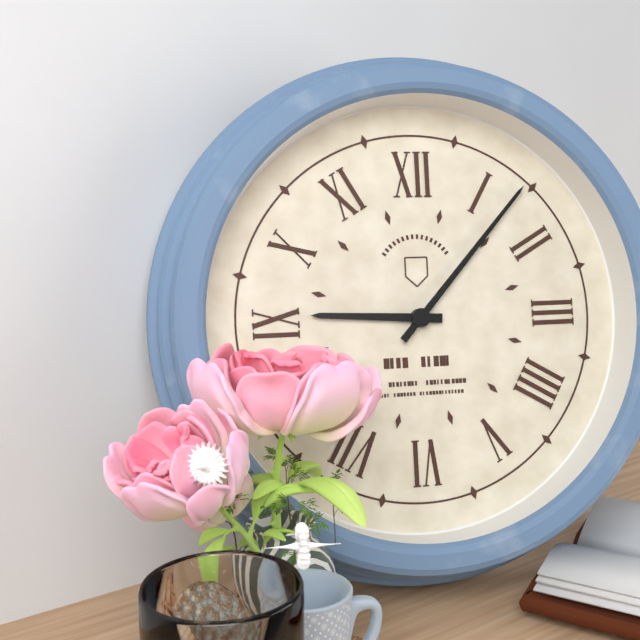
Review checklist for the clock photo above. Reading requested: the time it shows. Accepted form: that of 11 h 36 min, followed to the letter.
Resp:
9 h 07 min
